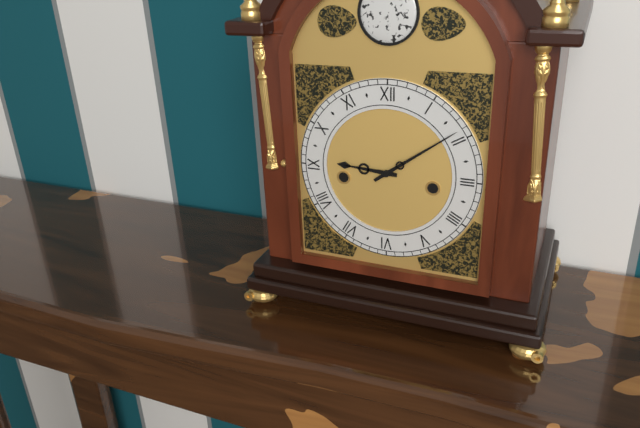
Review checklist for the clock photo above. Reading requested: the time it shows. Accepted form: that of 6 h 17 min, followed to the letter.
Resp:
9 h 09 min
